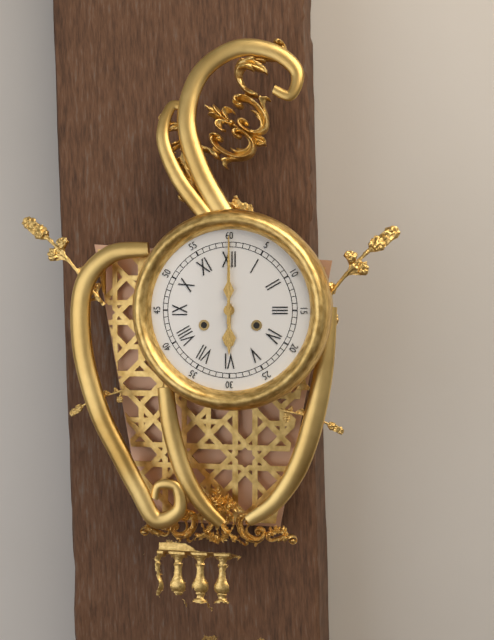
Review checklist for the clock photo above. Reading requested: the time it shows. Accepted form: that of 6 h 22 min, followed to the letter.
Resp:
6 h 00 min
